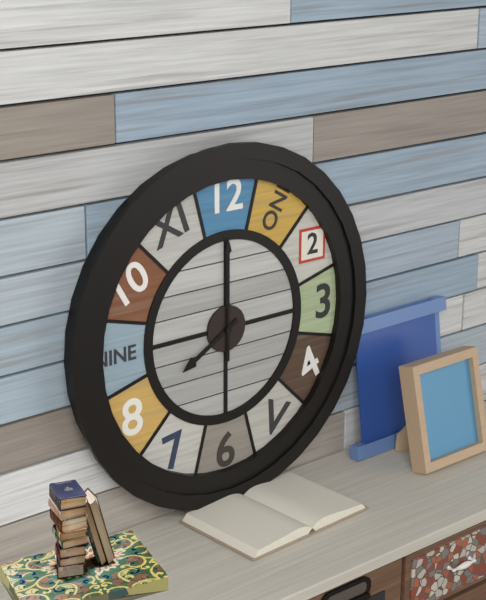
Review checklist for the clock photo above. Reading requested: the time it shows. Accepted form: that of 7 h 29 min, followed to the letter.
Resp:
8 h 00 min
